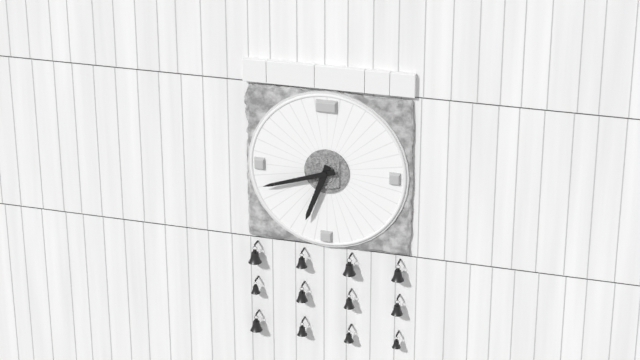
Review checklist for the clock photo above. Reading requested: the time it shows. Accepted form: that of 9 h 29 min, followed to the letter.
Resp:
6 h 42 min
